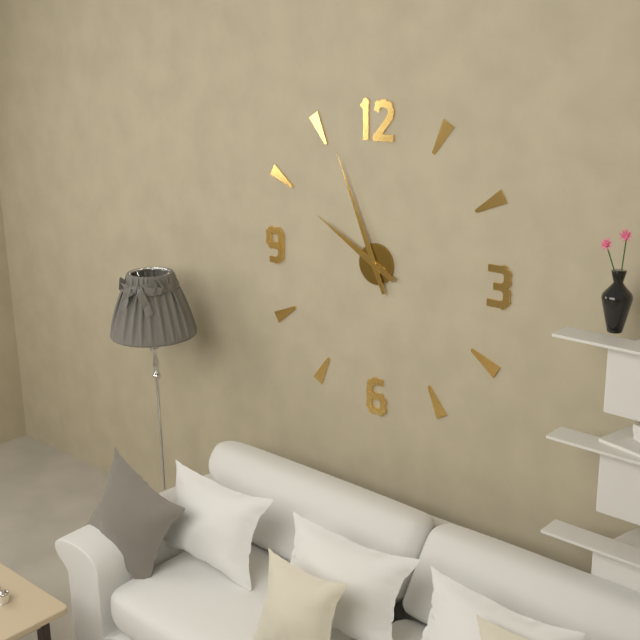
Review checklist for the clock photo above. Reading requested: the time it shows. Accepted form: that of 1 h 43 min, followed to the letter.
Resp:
9 h 56 min
